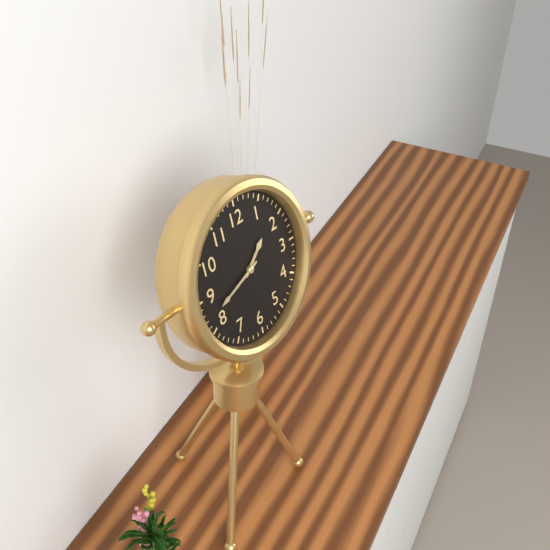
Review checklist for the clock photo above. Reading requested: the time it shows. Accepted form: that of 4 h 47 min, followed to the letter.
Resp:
1 h 42 min
